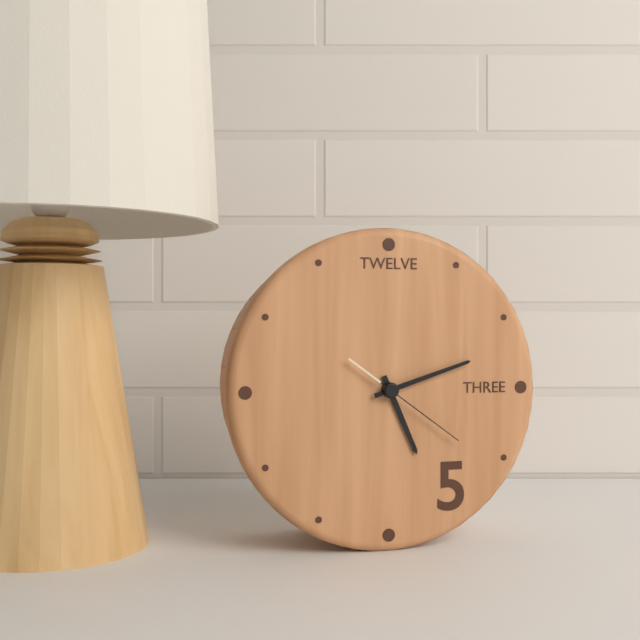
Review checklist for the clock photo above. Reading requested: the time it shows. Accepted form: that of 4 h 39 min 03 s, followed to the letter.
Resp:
5 h 12 min 21 s
